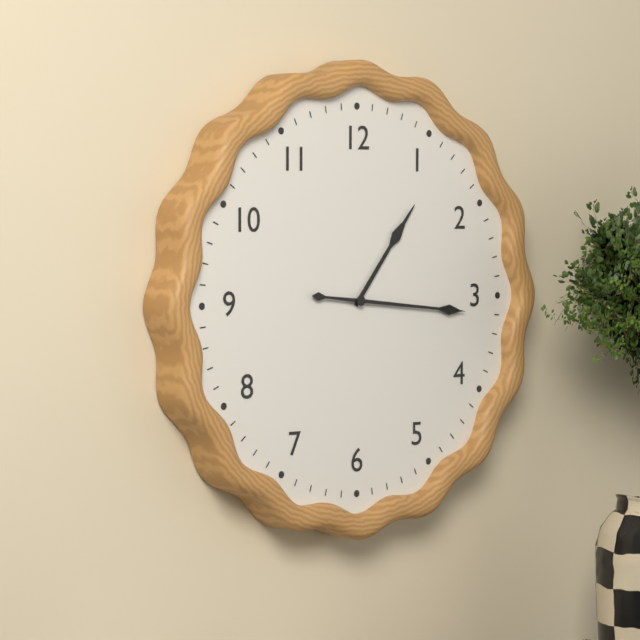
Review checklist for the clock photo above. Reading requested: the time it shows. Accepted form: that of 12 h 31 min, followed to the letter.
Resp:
1 h 16 min
